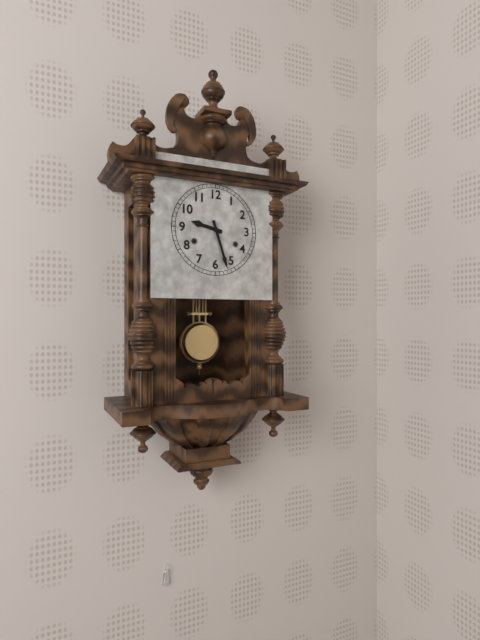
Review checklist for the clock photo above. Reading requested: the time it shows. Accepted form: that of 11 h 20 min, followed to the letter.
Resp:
9 h 27 min
